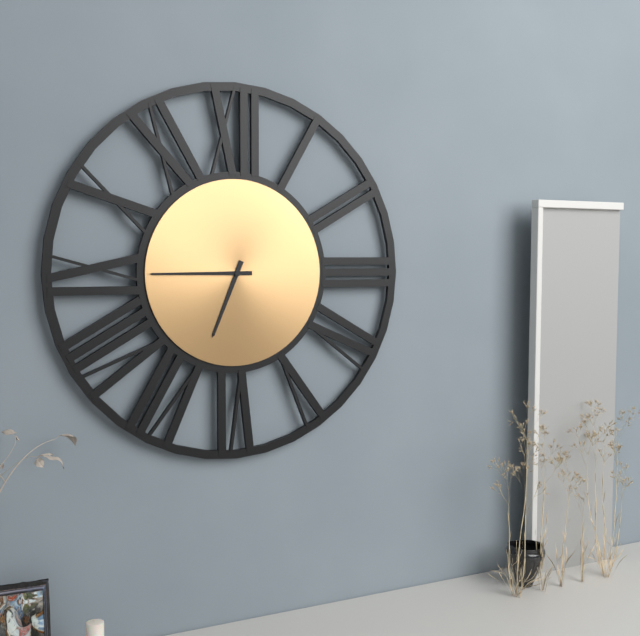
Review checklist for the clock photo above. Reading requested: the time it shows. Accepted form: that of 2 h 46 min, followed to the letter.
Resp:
6 h 45 min
